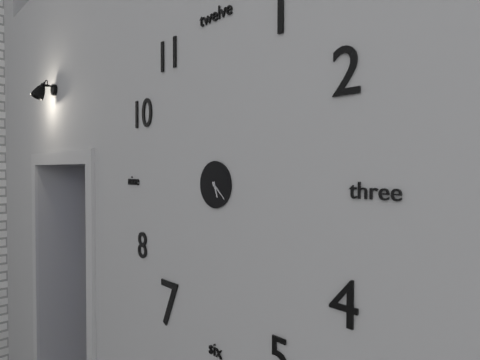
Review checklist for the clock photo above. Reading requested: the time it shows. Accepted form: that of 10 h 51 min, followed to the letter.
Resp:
5 h 22 min
